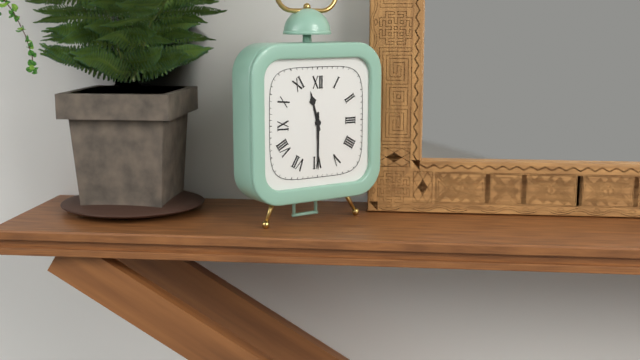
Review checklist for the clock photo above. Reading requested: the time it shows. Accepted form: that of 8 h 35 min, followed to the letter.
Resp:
11 h 30 min
